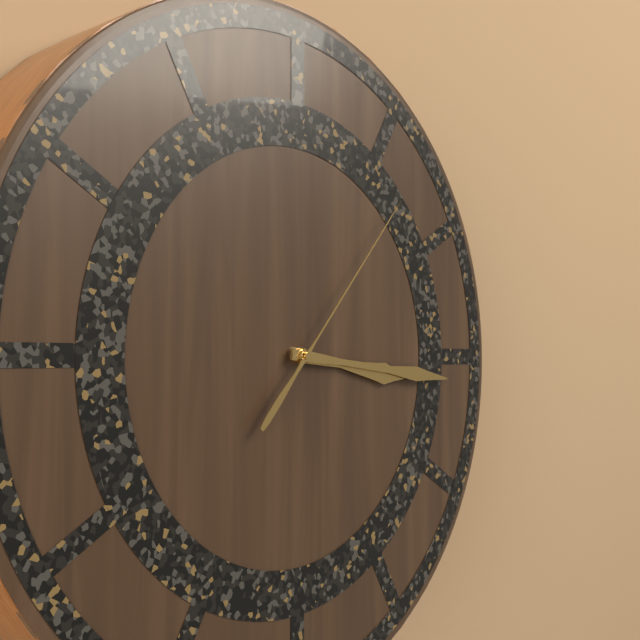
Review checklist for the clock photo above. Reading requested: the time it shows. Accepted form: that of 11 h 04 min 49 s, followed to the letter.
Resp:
3 h 16 min 07 s
